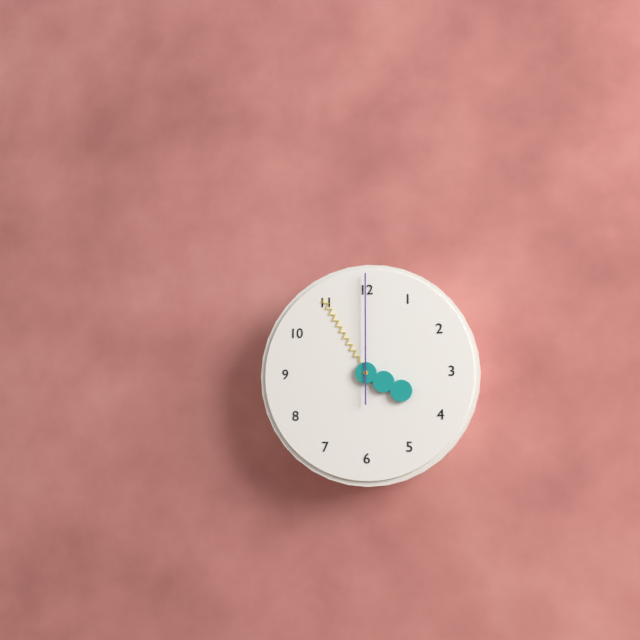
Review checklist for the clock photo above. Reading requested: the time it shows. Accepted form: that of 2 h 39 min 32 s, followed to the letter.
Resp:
3 h 55 min 00 s
